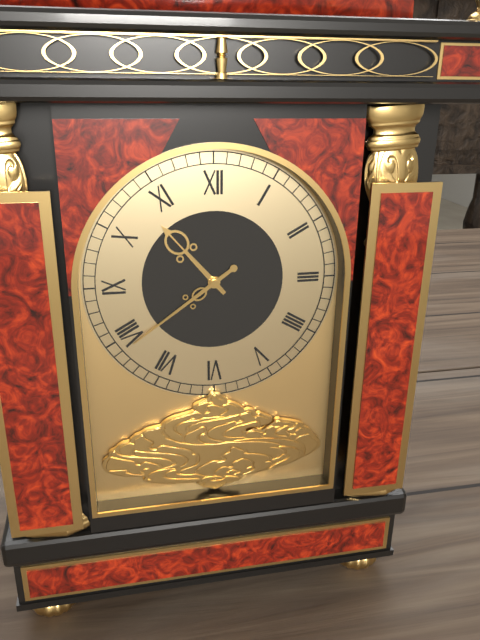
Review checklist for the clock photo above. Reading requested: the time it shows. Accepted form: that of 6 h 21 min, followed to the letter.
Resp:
10 h 39 min
